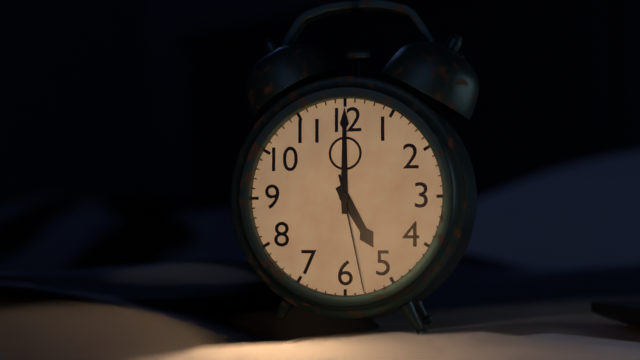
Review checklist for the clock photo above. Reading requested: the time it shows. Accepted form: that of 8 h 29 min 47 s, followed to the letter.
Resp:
5 h 00 min 28 s
